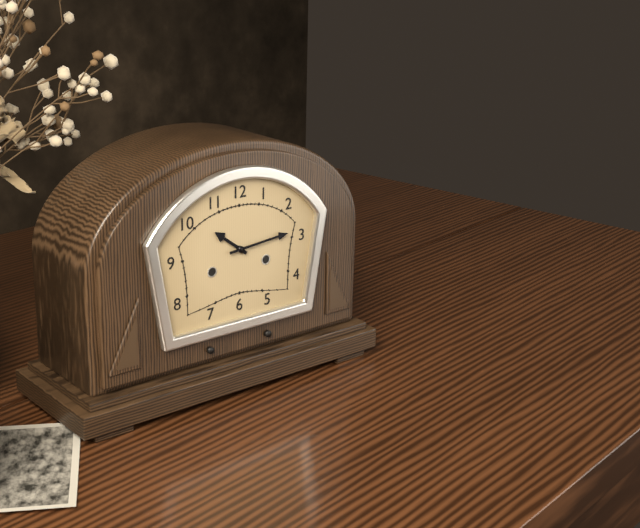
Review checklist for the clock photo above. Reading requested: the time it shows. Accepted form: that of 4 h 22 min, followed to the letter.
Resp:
10 h 14 min
